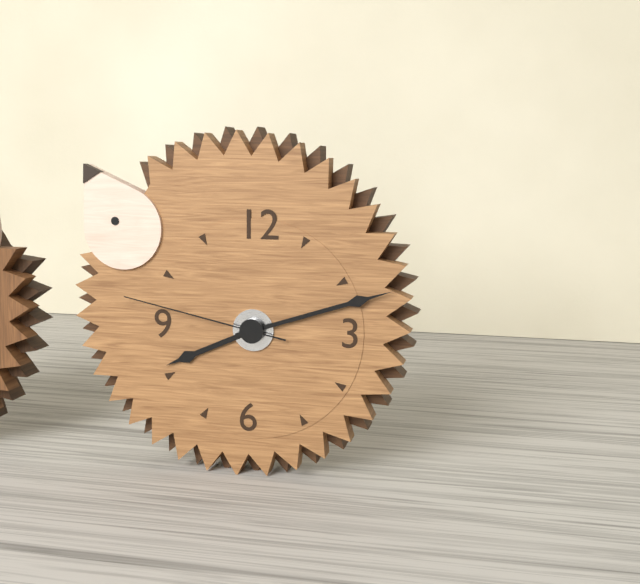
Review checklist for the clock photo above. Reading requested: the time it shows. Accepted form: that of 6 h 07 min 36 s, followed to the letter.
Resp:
8 h 12 min 47 s
